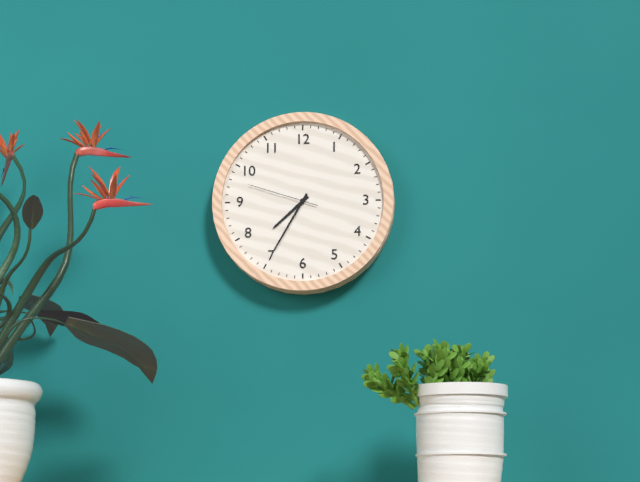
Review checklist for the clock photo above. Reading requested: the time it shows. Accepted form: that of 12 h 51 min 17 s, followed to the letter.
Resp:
7 h 35 min 48 s
